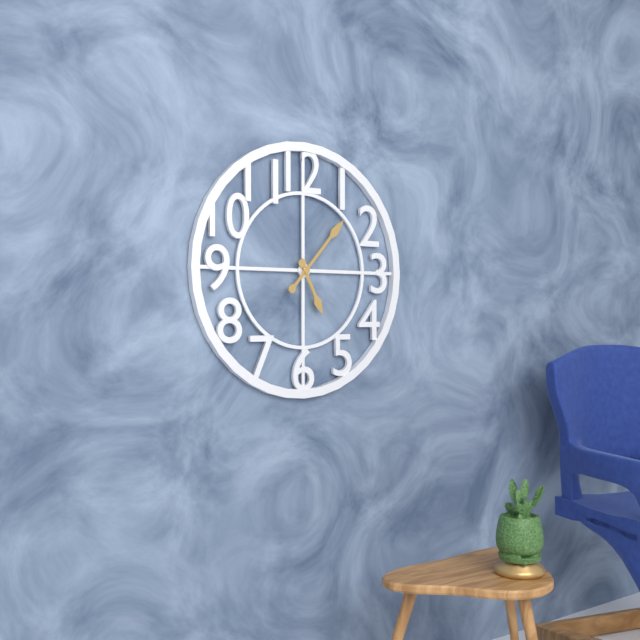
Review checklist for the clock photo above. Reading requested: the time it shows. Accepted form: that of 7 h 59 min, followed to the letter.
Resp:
5 h 07 min
